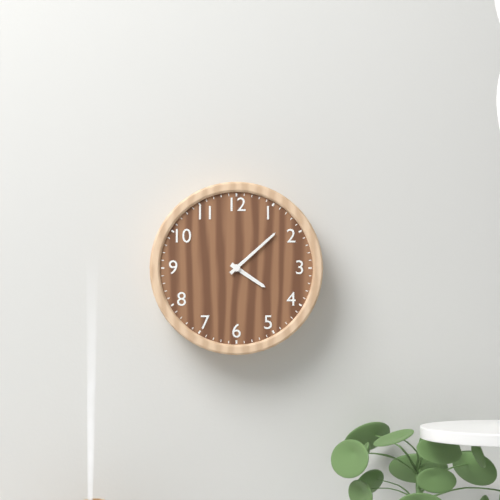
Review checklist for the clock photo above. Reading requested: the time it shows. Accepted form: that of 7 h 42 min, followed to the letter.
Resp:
4 h 08 min
